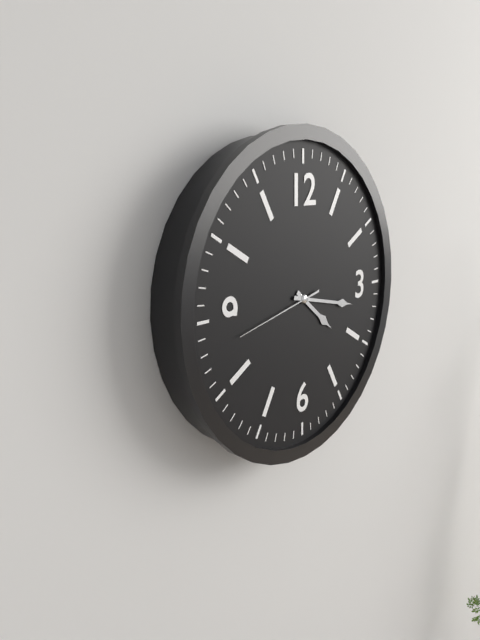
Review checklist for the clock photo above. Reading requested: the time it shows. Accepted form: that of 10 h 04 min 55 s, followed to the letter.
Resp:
4 h 17 min 43 s
